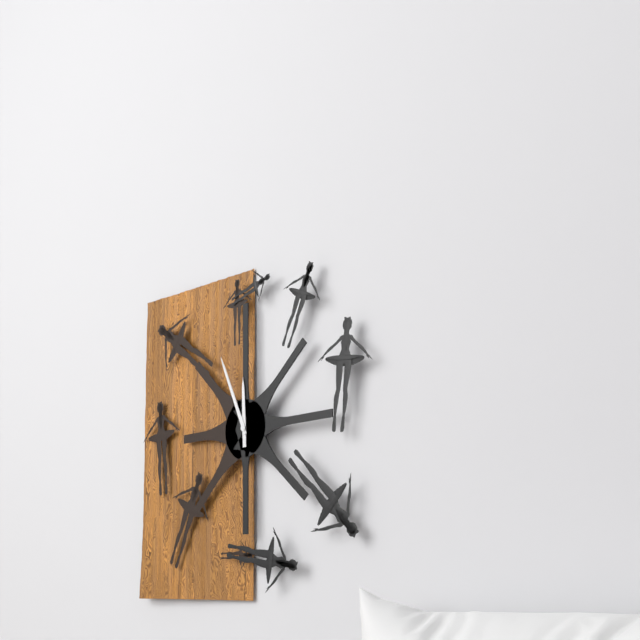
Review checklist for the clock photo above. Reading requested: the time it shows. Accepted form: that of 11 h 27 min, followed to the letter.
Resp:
11 h 56 min
